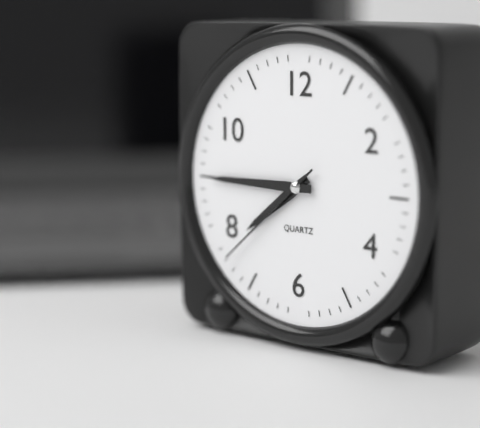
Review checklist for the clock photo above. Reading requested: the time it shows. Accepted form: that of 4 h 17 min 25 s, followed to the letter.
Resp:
7 h 45 min 38 s
